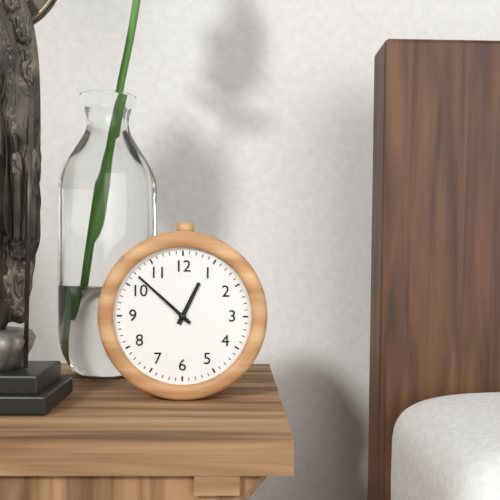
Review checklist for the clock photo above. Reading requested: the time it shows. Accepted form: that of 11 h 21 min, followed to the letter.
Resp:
12 h 52 min
